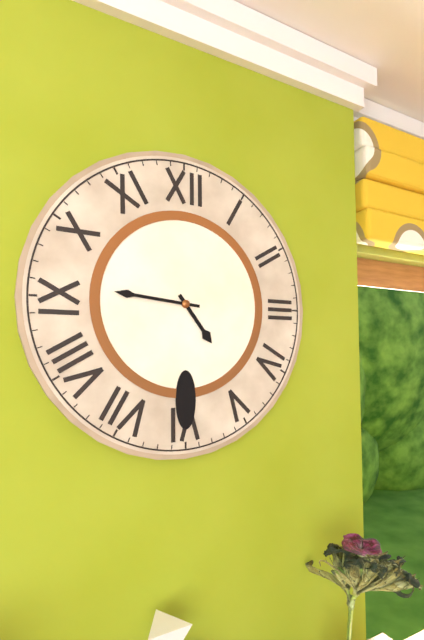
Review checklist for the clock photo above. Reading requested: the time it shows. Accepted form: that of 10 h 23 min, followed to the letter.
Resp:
4 h 46 min
